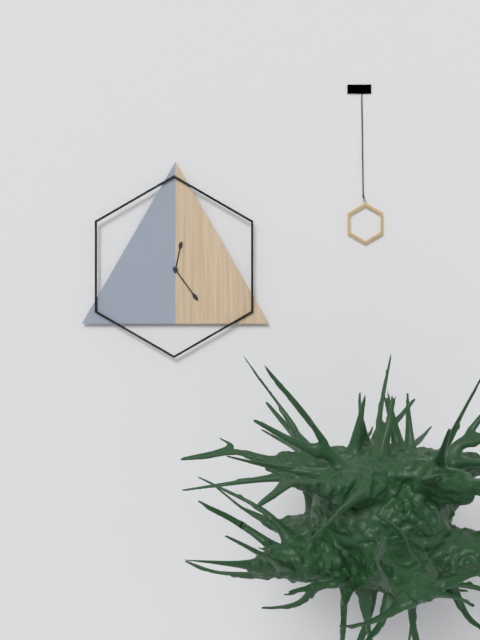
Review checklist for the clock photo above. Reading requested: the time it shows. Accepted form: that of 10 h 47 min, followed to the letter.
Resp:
12 h 24 min
